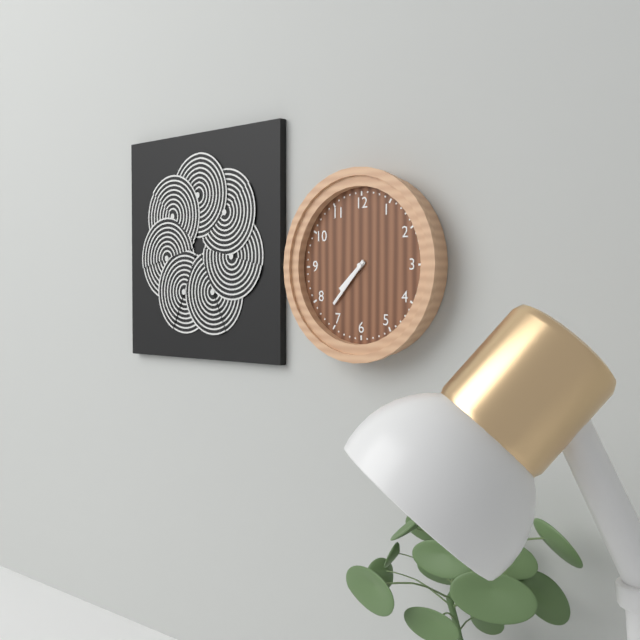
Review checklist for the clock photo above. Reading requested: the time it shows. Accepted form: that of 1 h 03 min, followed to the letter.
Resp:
7 h 37 min
